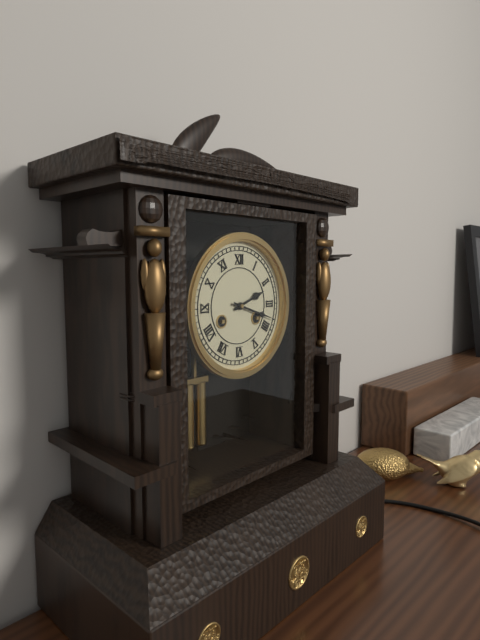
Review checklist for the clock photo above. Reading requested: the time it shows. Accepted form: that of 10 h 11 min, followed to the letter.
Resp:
2 h 18 min
